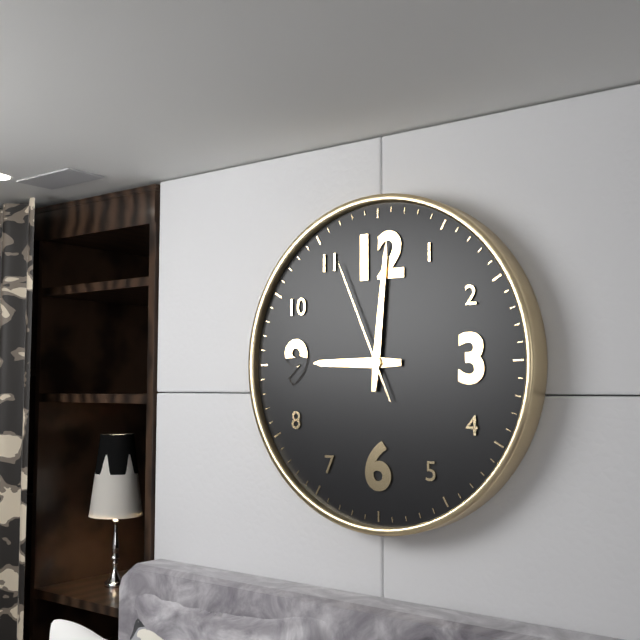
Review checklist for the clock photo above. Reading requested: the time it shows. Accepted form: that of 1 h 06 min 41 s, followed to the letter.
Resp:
9 h 01 min 56 s
